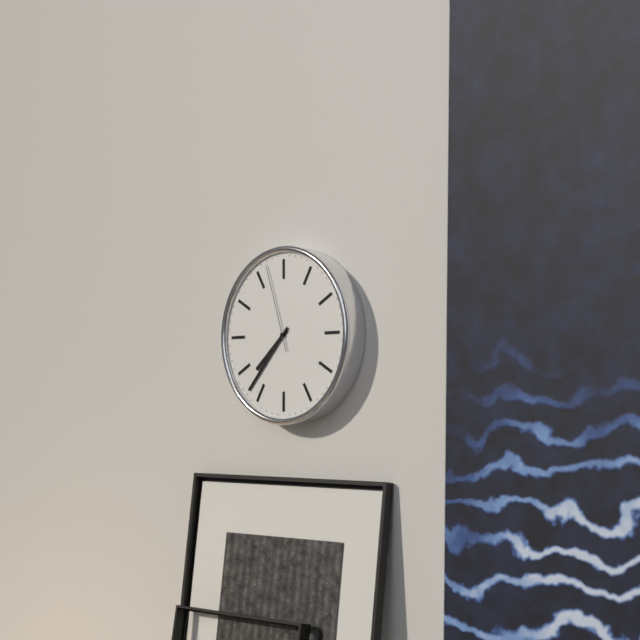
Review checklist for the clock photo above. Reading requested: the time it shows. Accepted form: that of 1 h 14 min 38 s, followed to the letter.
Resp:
7 h 37 min 57 s
